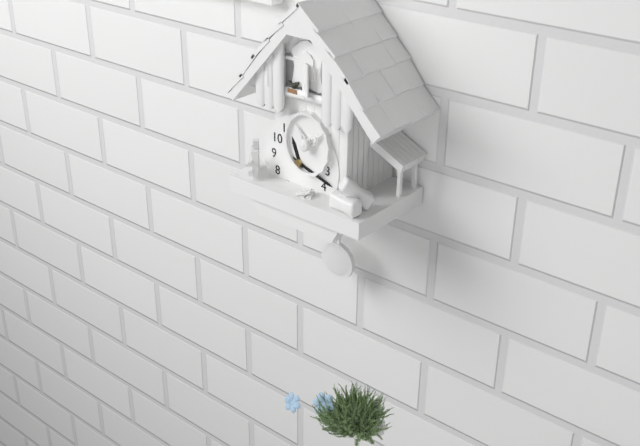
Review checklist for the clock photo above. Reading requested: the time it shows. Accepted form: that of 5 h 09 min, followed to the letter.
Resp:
11 h 18 min
